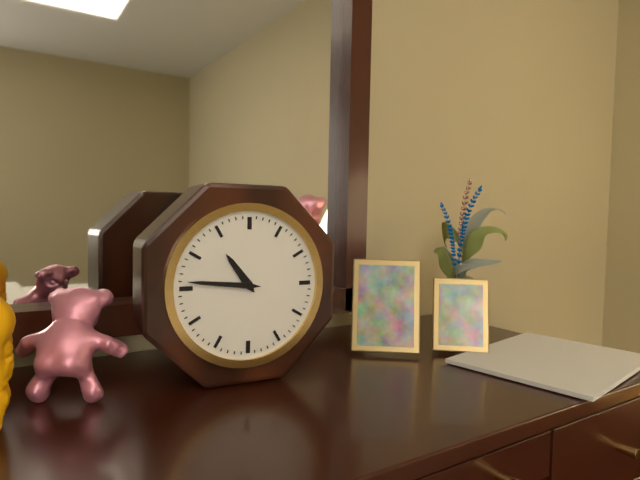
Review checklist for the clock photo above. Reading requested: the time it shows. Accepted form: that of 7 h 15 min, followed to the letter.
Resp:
10 h 46 min
